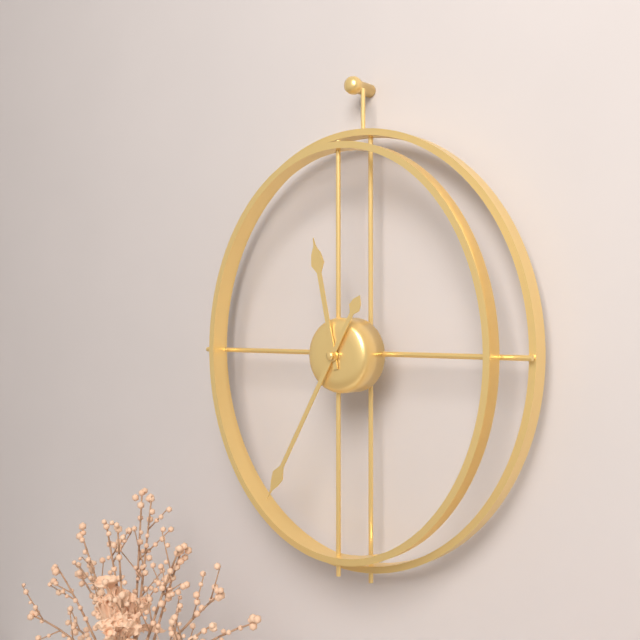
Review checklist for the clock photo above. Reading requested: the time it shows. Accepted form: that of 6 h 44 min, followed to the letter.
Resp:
11 h 35 min
